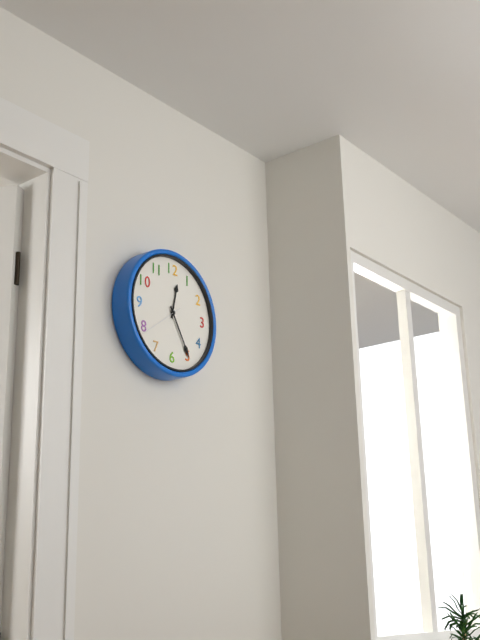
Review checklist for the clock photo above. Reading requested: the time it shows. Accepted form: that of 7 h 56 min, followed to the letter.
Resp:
12 h 25 min
